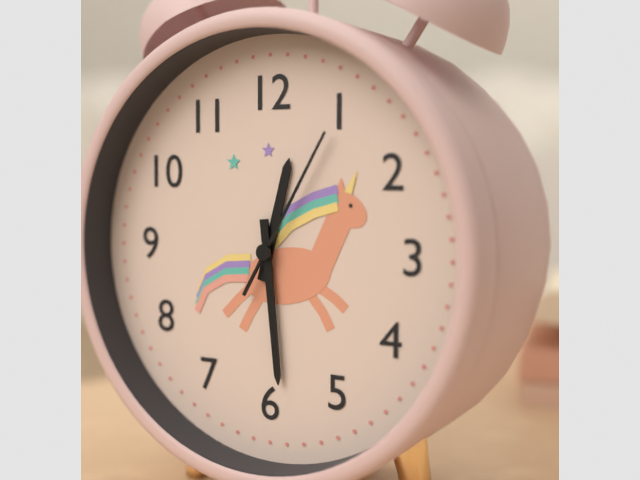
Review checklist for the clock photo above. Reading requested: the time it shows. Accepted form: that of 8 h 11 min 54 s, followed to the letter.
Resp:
12 h 29 min 05 s
